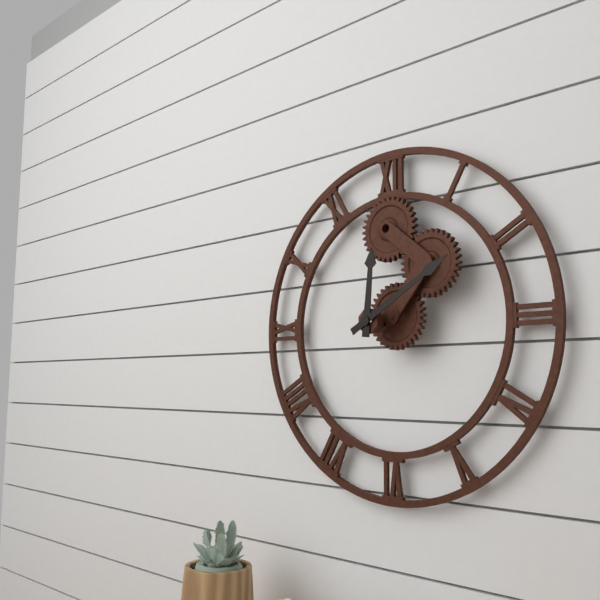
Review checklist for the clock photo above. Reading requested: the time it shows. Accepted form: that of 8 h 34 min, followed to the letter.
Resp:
12 h 10 min
